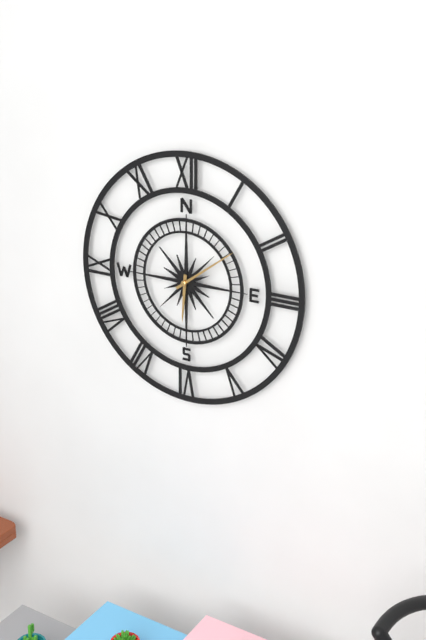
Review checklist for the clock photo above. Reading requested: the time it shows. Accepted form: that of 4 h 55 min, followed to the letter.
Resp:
6 h 09 min
